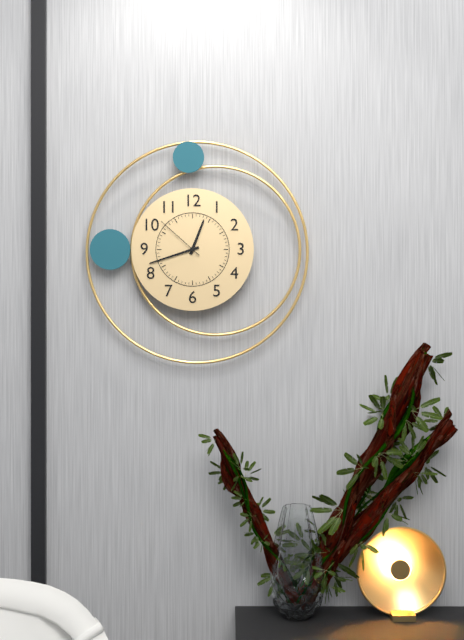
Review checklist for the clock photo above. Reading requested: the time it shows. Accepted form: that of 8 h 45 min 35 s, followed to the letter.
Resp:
12 h 42 min 52 s
